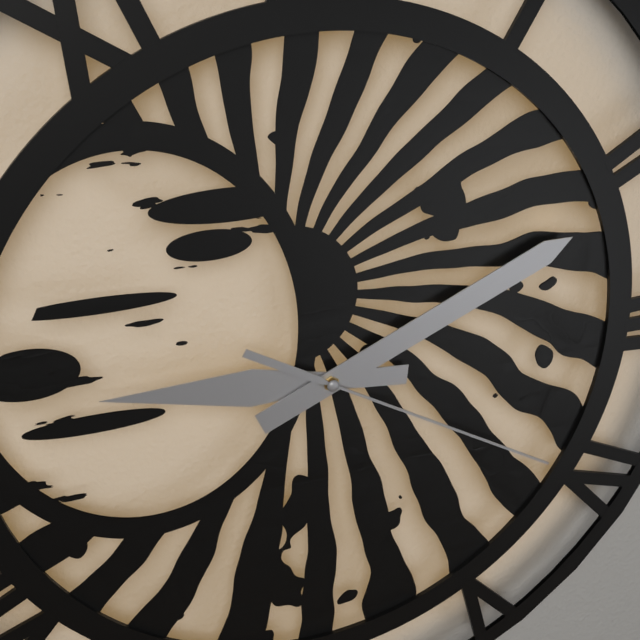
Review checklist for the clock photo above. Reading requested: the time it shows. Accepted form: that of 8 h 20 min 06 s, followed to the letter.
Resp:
9 h 11 min 20 s
